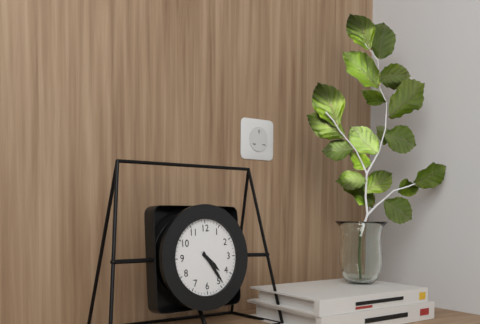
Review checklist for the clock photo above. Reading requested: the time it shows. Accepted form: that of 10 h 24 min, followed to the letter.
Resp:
4 h 24 min
